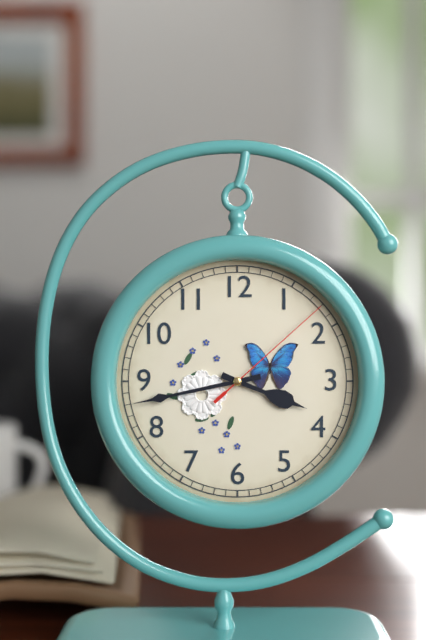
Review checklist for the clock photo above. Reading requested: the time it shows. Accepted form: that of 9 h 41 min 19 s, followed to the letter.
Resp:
3 h 43 min 08 s
